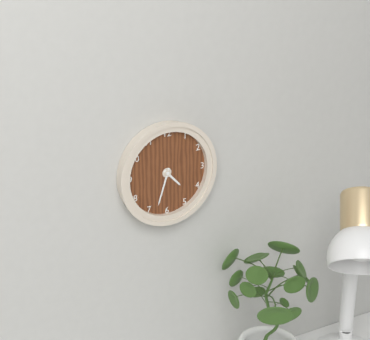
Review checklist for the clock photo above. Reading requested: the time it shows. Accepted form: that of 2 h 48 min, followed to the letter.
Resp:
4 h 33 min
